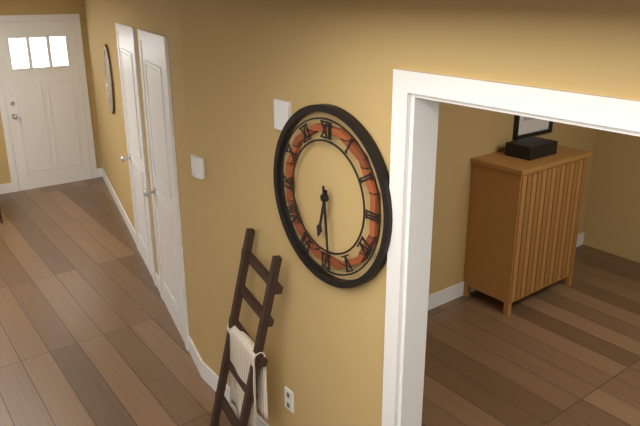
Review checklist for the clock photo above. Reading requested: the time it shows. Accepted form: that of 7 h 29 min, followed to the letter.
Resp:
6 h 29 min
